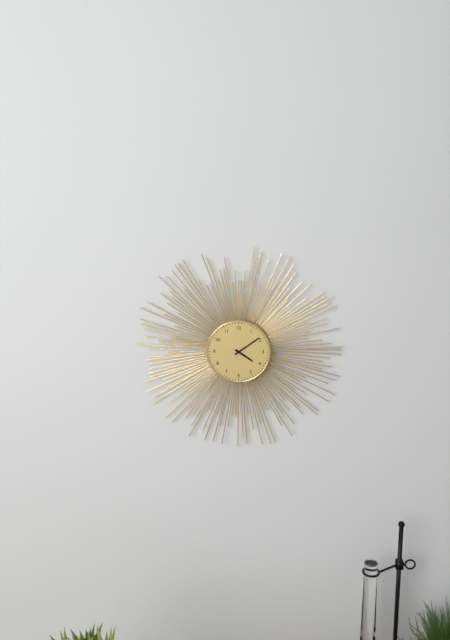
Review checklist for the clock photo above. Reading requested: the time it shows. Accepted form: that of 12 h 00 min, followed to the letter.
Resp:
4 h 09 min
